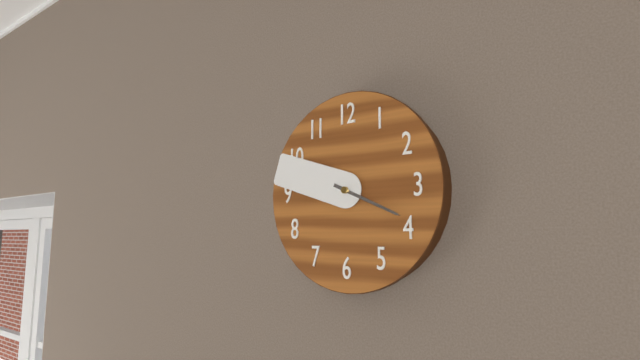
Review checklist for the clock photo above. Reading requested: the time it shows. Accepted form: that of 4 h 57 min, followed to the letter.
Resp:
3 h 48 min
